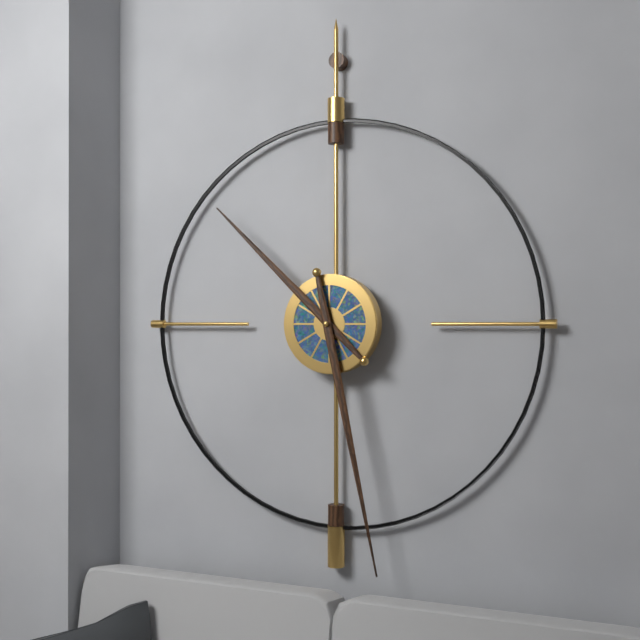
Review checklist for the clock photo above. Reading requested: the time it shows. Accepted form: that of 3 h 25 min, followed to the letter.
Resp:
10 h 28 min
